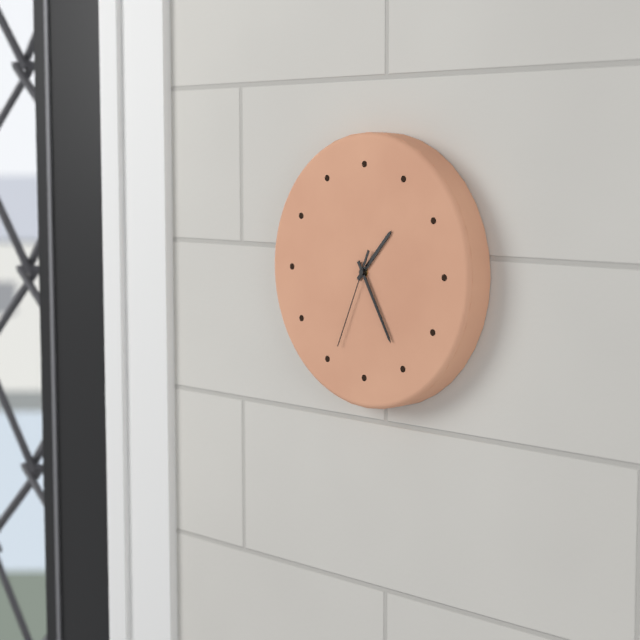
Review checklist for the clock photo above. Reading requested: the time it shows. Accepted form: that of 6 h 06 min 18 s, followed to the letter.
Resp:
1 h 25 min 34 s
